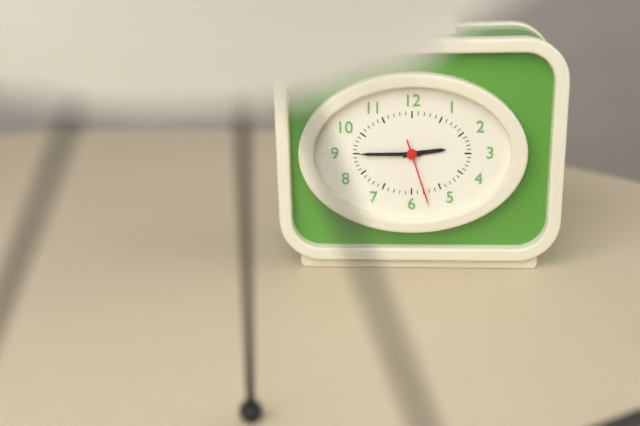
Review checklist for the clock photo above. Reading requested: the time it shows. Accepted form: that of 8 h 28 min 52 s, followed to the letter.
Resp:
2 h 45 min 27 s
